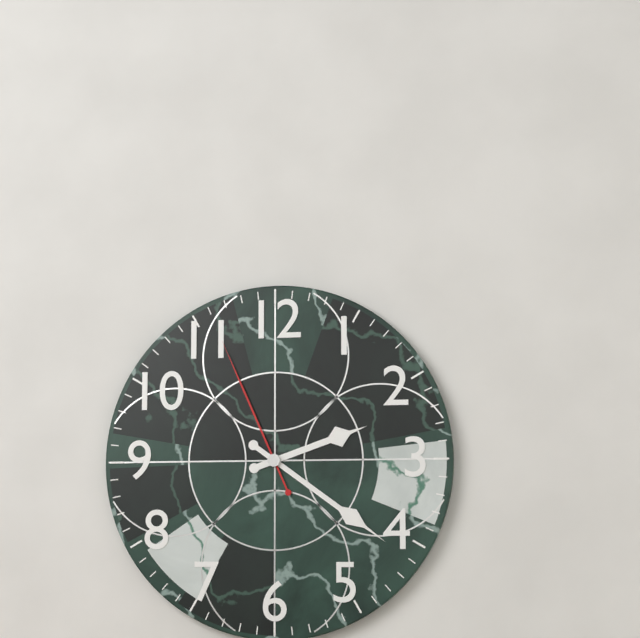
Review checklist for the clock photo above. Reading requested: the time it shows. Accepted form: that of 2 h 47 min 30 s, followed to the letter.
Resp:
2 h 21 min 56 s
